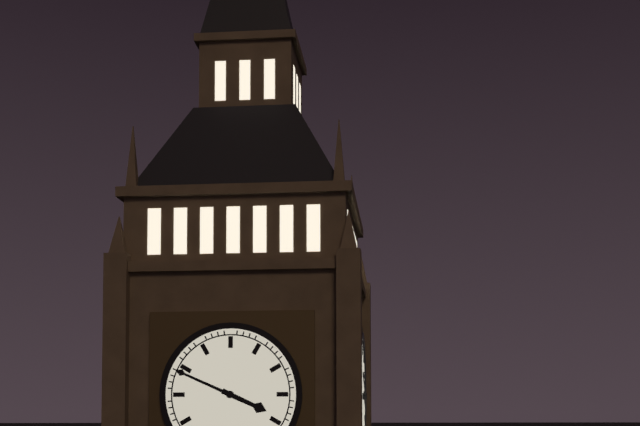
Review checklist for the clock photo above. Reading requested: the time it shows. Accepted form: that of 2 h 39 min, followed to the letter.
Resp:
3 h 49 min
